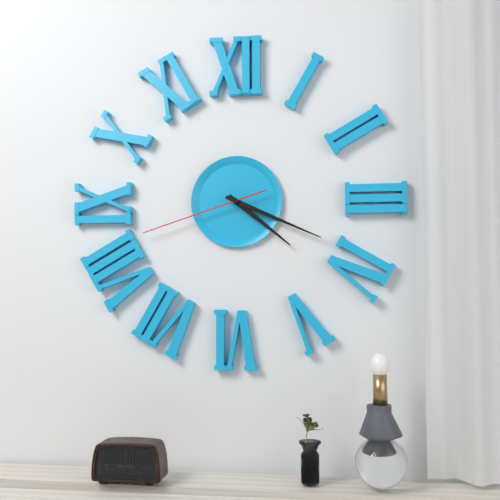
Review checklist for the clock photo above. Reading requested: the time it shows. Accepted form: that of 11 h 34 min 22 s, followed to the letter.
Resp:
4 h 19 min 42 s
